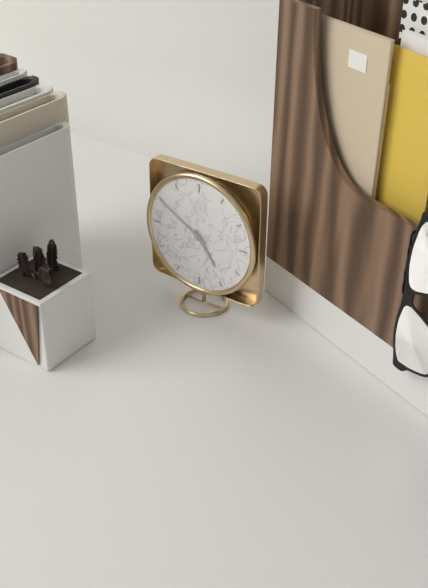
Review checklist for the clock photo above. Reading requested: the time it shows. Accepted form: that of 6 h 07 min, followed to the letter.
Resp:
4 h 50 min
